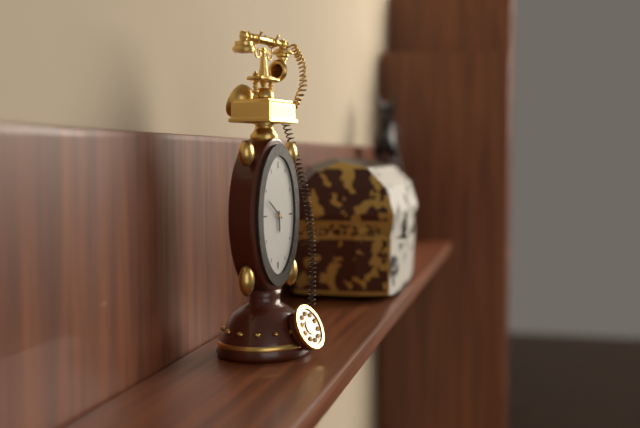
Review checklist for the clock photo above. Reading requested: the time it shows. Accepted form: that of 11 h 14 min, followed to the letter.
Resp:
5 h 51 min
